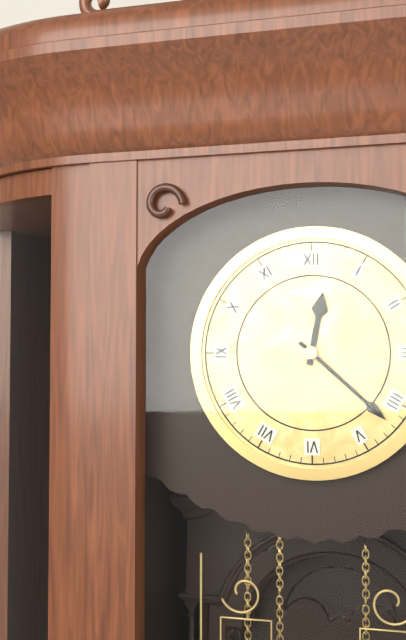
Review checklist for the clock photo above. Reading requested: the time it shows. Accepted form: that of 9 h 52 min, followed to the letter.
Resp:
12 h 22 min
